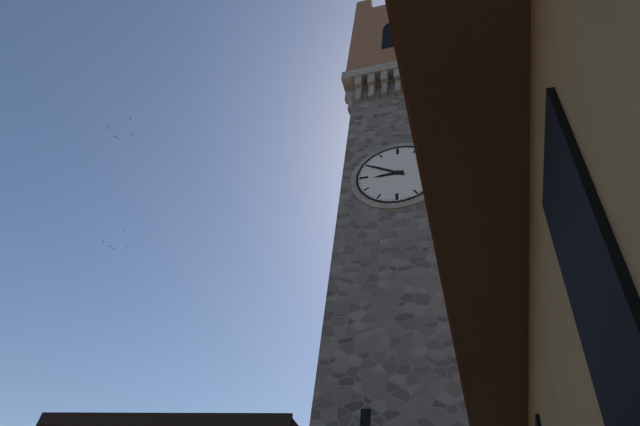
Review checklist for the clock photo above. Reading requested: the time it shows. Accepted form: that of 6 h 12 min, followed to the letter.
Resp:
8 h 50 min
